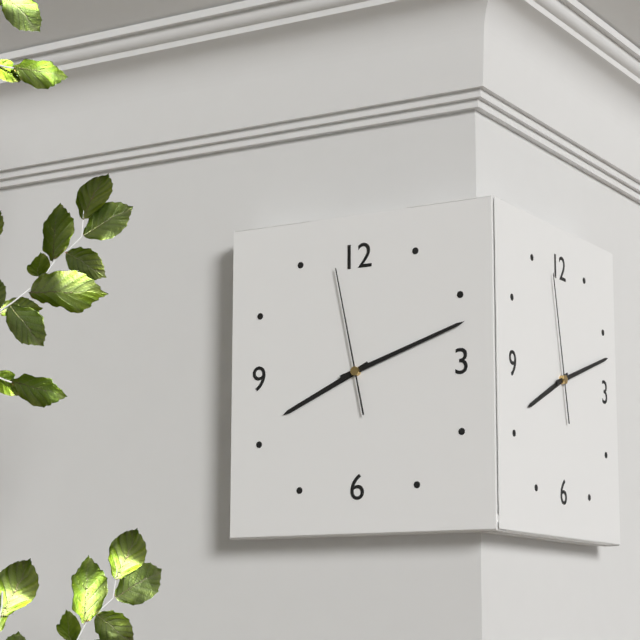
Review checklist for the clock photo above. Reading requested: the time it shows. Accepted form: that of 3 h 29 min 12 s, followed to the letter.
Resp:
8 h 12 min 58 s
